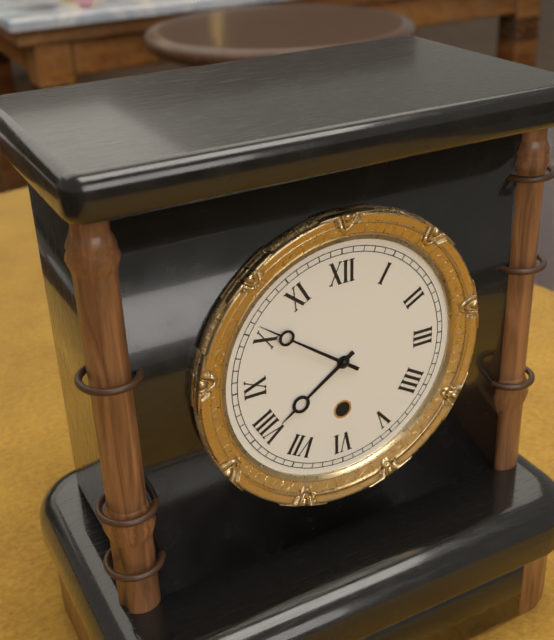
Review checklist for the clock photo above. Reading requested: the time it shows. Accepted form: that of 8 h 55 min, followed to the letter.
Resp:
7 h 51 min
